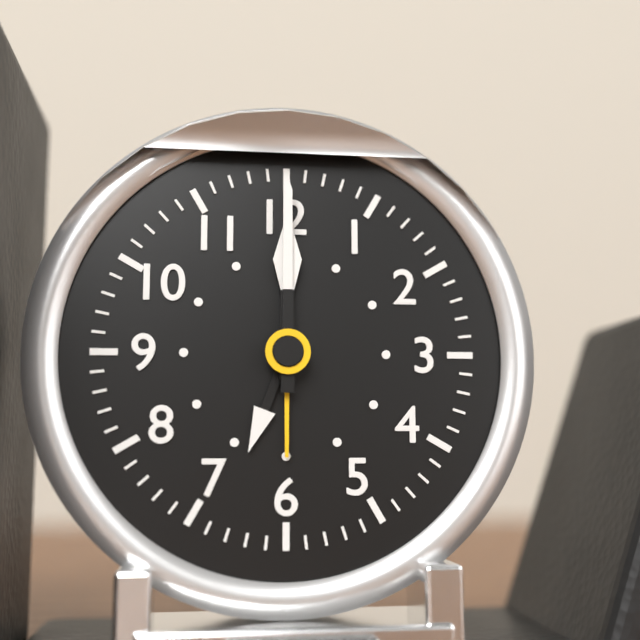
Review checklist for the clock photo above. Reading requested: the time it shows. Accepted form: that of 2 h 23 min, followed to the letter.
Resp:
12 h 00 min
